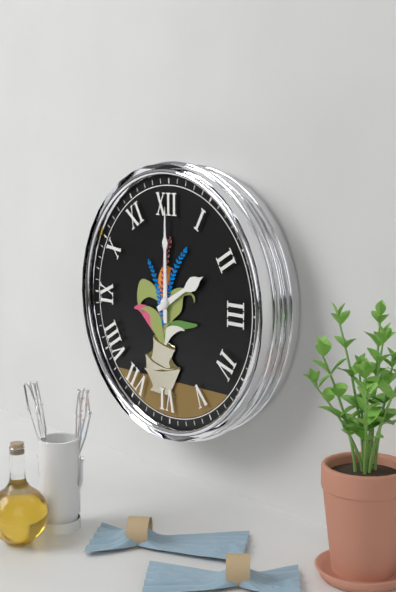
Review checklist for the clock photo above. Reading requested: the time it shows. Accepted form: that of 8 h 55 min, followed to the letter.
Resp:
2 h 00 min
